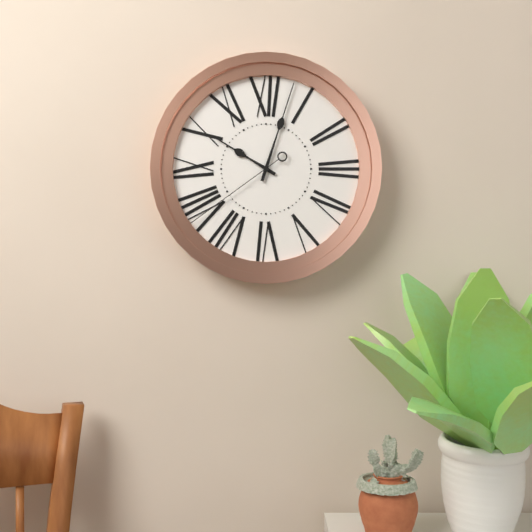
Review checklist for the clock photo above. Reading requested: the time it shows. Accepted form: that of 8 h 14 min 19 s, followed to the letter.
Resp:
10 h 03 min 39 s
